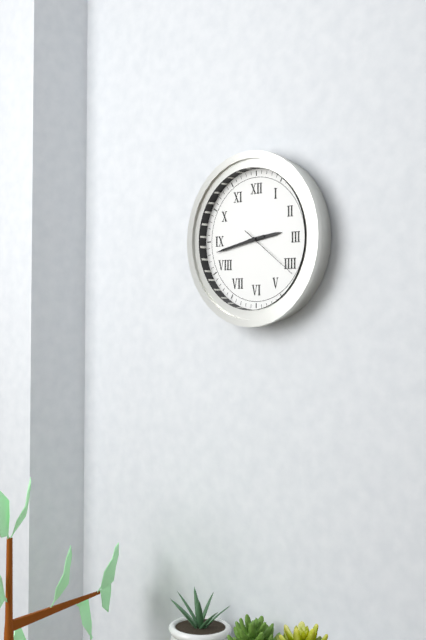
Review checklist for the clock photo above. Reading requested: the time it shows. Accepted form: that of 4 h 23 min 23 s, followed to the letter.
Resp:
2 h 43 min 21 s
